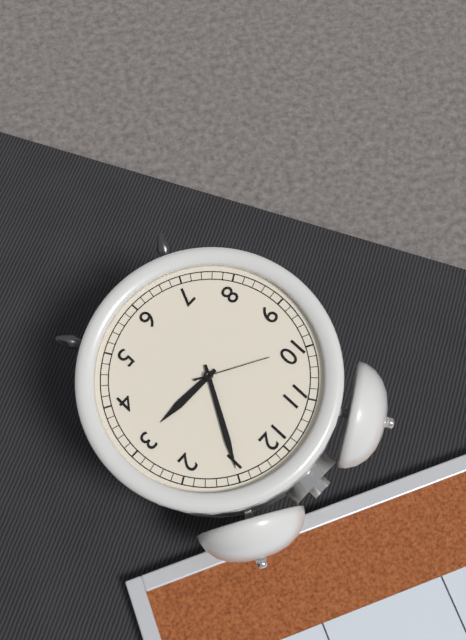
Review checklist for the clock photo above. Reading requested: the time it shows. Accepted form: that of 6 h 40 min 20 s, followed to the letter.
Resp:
3 h 05 min 50 s
